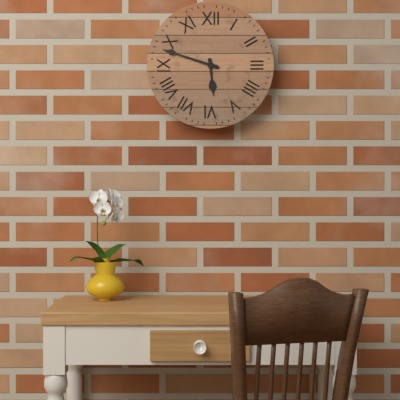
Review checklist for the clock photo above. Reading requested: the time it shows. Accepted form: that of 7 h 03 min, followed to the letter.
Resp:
5 h 48 min
